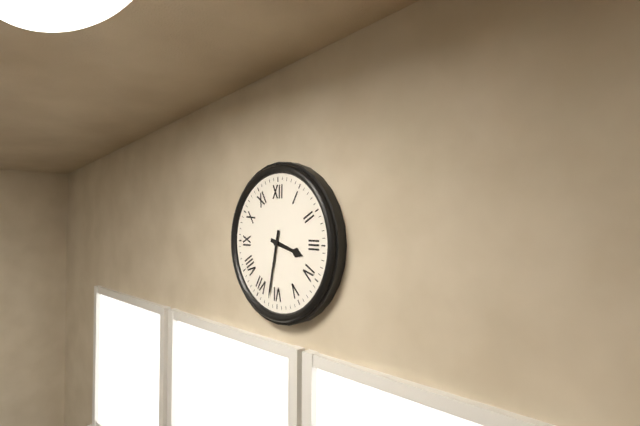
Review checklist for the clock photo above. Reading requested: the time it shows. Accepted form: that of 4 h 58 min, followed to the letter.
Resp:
3 h 32 min
